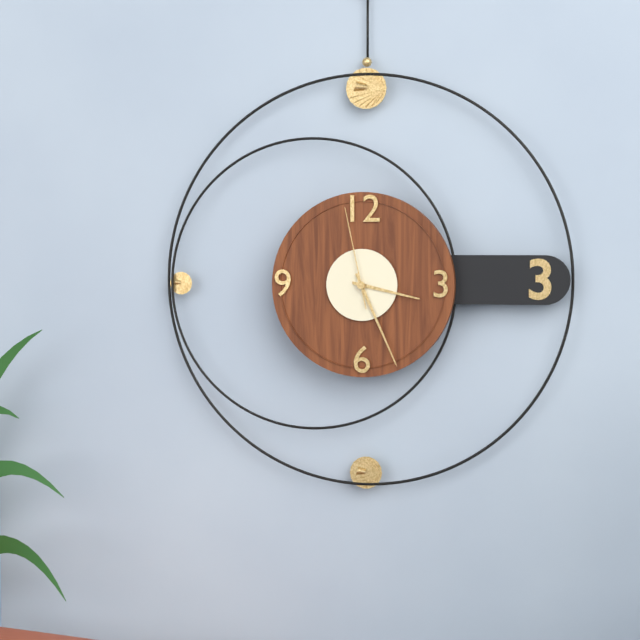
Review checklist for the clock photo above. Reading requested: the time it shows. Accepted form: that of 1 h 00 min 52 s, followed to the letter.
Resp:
3 h 26 min 58 s
